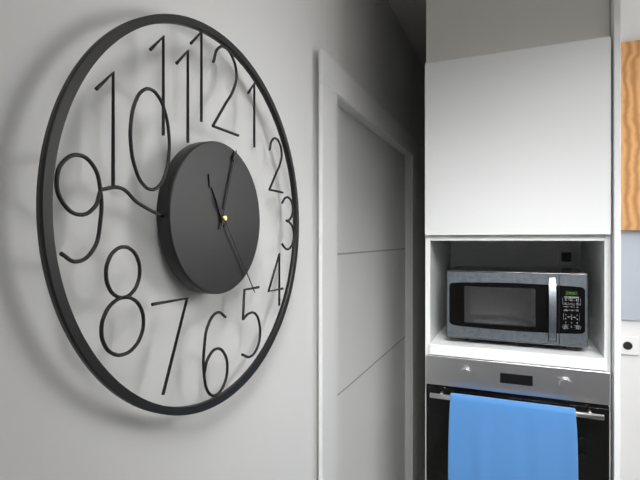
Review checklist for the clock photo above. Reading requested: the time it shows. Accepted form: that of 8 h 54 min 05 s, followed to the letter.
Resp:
11 h 03 min 24 s
